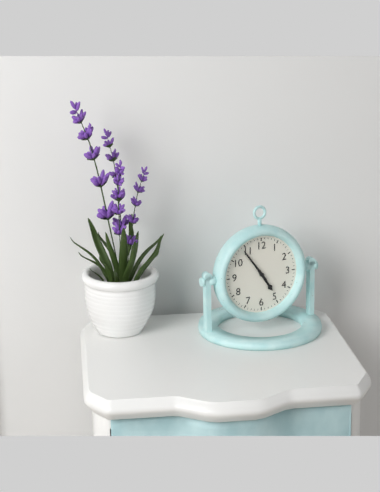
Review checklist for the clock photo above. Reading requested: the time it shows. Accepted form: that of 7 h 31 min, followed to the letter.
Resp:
4 h 54 min
